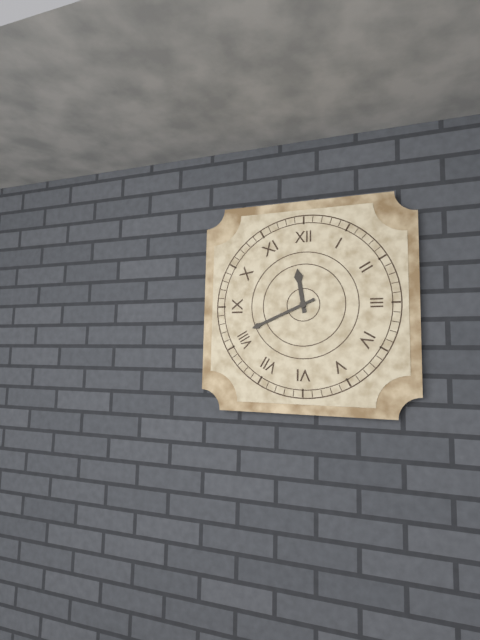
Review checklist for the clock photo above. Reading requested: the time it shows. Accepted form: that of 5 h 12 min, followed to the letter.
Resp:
11 h 41 min
